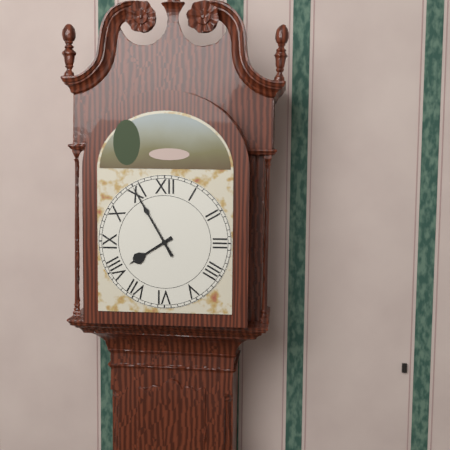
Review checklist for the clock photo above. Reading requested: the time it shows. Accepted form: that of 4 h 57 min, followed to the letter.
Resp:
7 h 55 min
